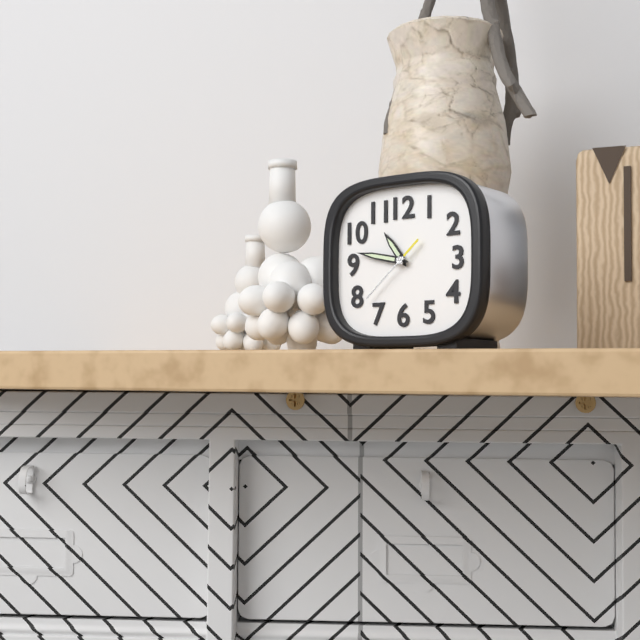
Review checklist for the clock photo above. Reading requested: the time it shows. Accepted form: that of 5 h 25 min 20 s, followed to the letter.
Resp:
10 h 47 min 38 s
